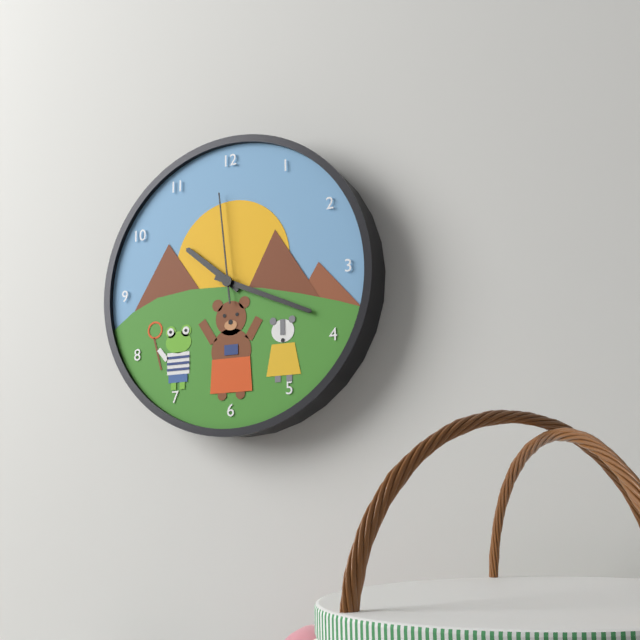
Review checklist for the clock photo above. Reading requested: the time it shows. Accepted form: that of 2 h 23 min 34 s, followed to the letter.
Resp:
10 h 19 min 59 s
